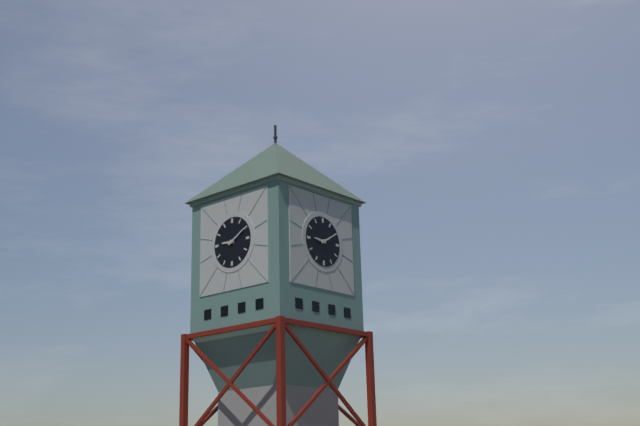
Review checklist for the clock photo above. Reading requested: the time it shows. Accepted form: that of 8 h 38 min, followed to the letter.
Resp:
9 h 10 min
